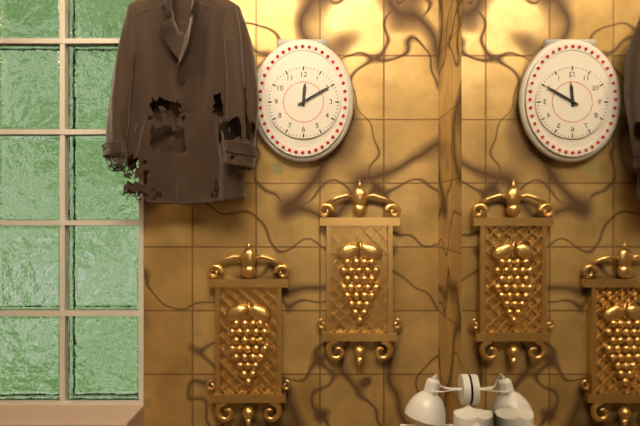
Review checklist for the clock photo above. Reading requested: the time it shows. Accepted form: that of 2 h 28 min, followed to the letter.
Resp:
12 h 10 min
